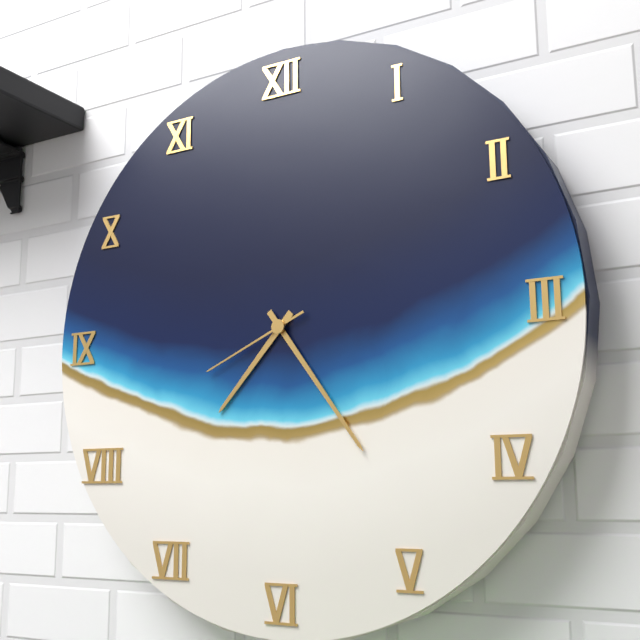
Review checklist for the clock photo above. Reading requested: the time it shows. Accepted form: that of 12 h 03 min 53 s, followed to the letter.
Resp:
7 h 24 min 41 s
